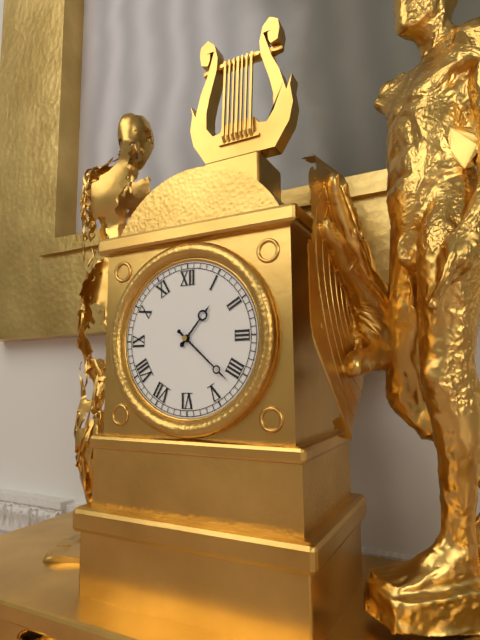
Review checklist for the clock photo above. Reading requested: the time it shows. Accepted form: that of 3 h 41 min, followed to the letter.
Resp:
1 h 22 min
